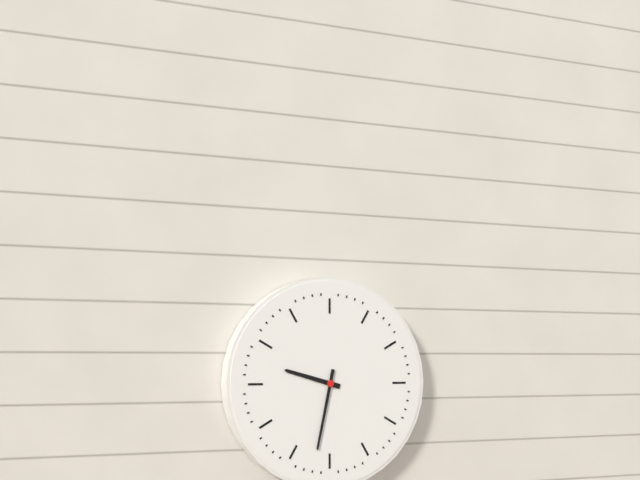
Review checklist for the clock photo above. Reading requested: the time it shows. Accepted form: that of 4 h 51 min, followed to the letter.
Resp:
9 h 32 min
